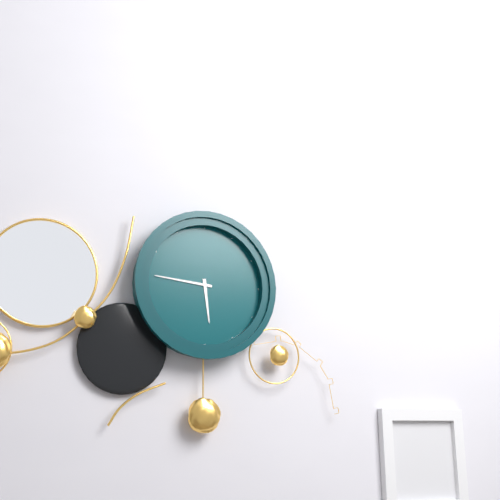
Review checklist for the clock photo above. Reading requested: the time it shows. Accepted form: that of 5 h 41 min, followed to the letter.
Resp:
5 h 46 min
